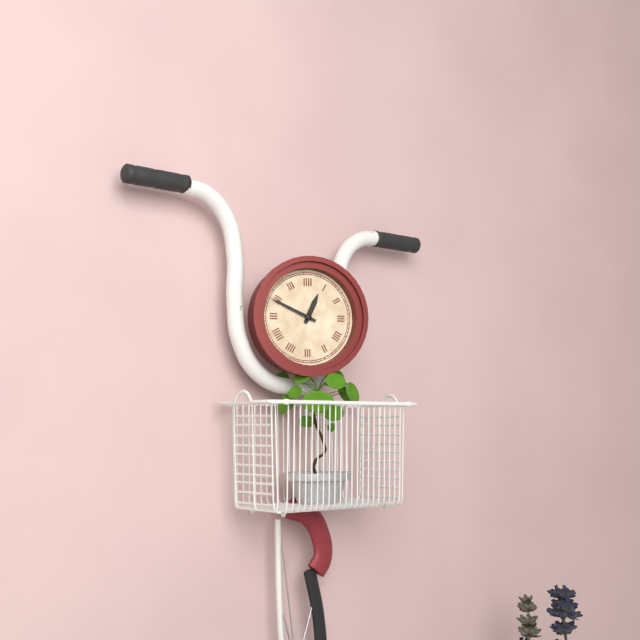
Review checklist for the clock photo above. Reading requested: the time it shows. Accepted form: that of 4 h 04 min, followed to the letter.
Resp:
12 h 49 min
